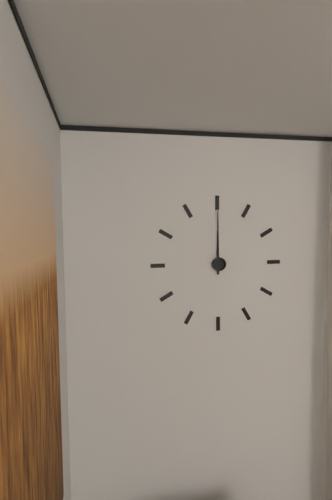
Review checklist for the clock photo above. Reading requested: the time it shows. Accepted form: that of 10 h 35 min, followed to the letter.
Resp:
12 h 00 min
